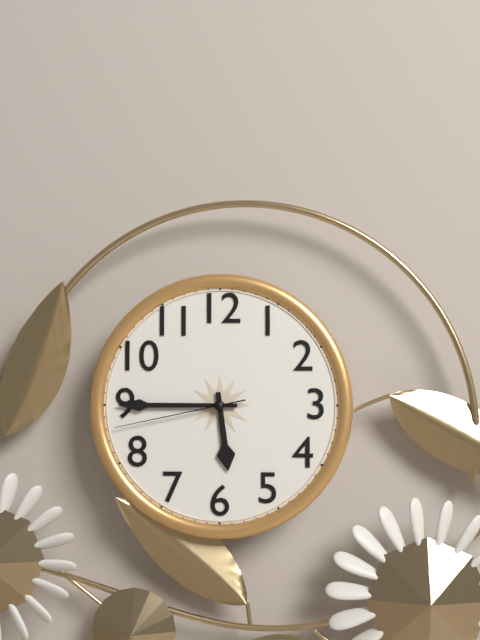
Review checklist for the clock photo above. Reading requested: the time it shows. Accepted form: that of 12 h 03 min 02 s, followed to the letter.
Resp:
5 h 45 min 43 s
